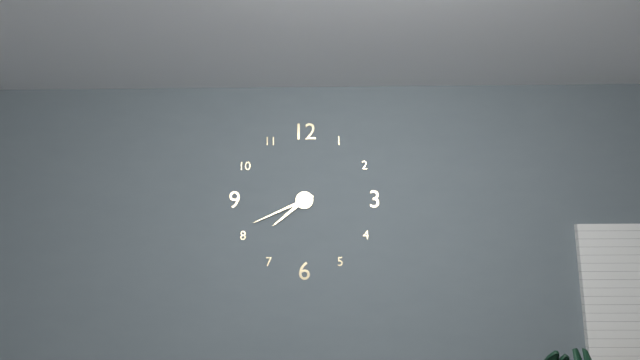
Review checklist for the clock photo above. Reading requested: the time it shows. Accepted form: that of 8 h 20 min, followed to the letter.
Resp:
7 h 41 min
